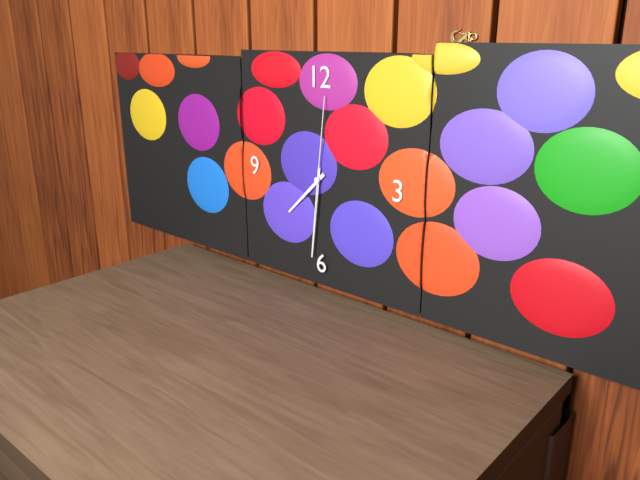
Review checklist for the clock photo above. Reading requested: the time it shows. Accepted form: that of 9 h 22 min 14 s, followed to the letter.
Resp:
7 h 31 min 01 s
